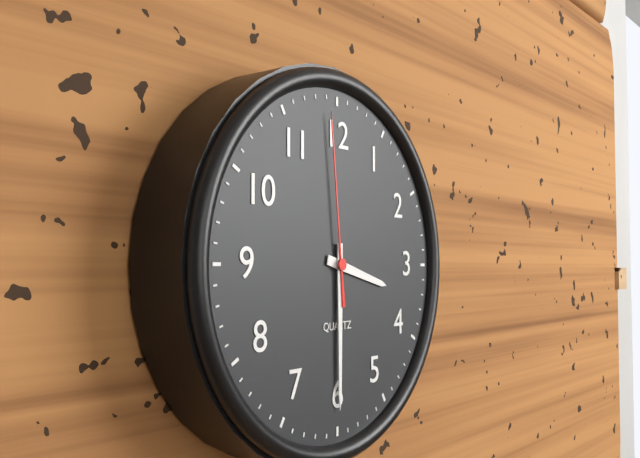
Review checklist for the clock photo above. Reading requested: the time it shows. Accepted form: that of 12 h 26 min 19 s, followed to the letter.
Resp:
3 h 30 min 59 s
